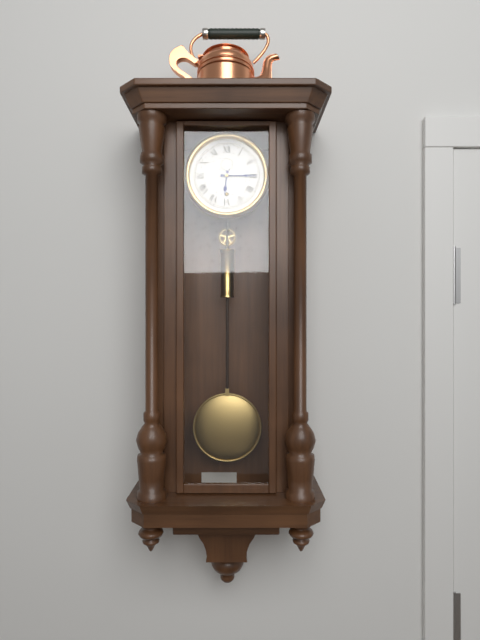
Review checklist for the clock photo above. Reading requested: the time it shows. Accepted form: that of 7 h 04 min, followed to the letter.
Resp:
6 h 15 min
